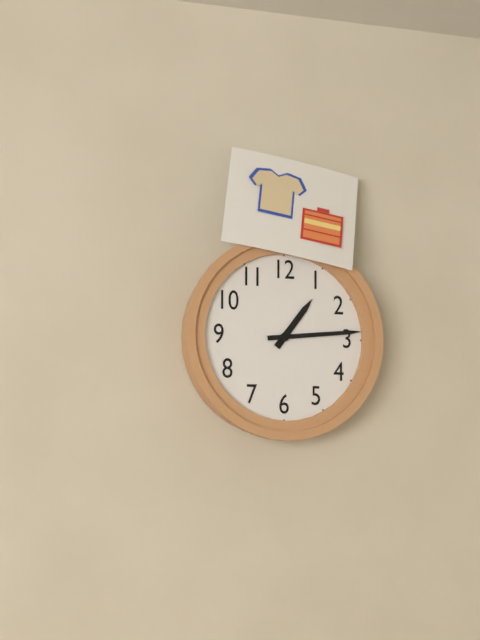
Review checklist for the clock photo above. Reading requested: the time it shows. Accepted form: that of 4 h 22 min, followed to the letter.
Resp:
1 h 14 min
